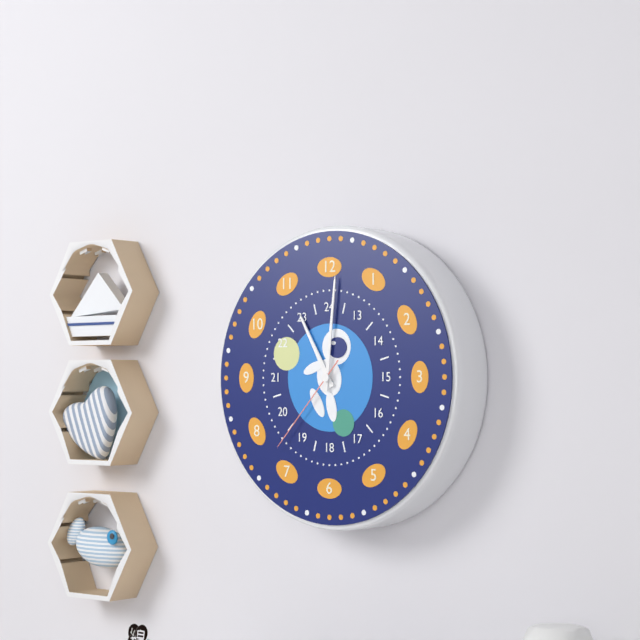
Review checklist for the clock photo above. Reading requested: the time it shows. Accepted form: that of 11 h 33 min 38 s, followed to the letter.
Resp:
11 h 01 min 37 s
